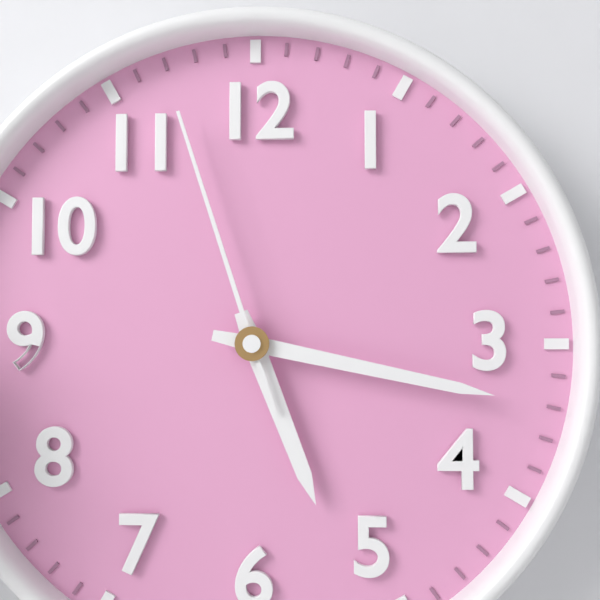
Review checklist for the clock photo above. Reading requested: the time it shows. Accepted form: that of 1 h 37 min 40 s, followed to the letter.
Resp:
5 h 17 min 57 s
